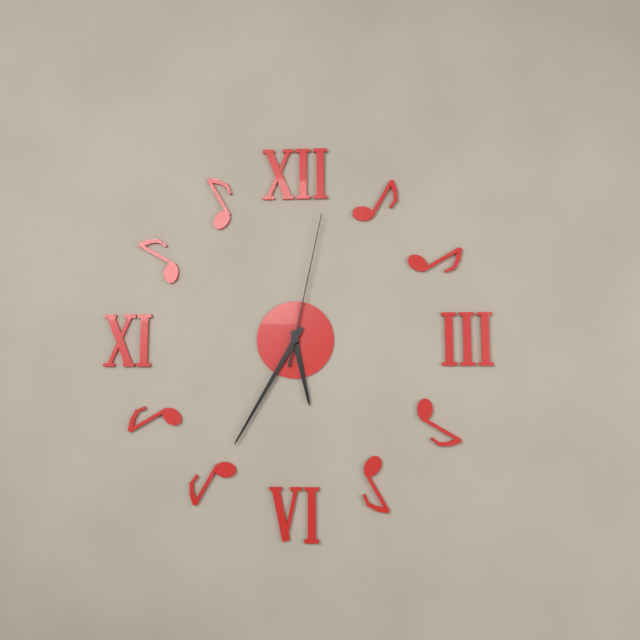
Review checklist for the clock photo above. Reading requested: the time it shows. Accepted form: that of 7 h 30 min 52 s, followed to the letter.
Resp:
5 h 35 min 02 s
